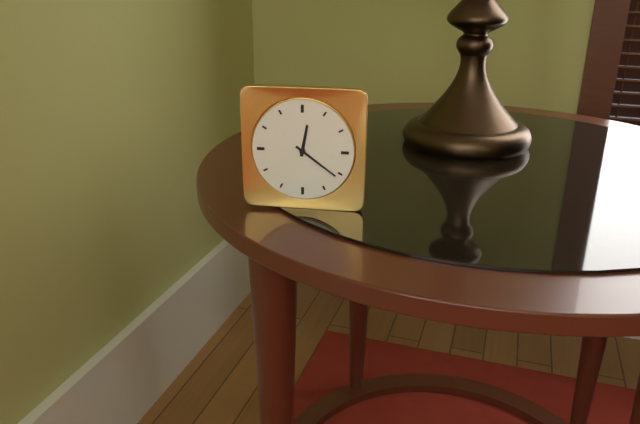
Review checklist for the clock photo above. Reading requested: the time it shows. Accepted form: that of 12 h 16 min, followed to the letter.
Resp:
12 h 21 min
